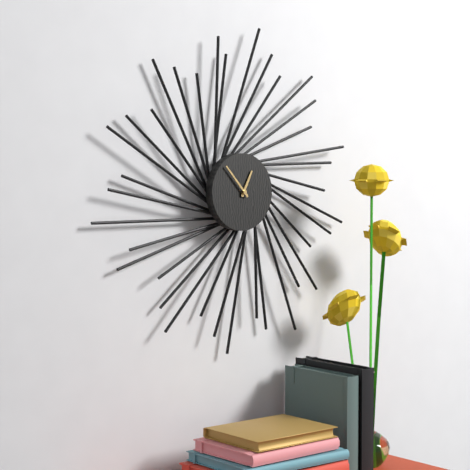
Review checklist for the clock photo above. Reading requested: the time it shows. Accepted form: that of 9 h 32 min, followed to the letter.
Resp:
12 h 53 min
